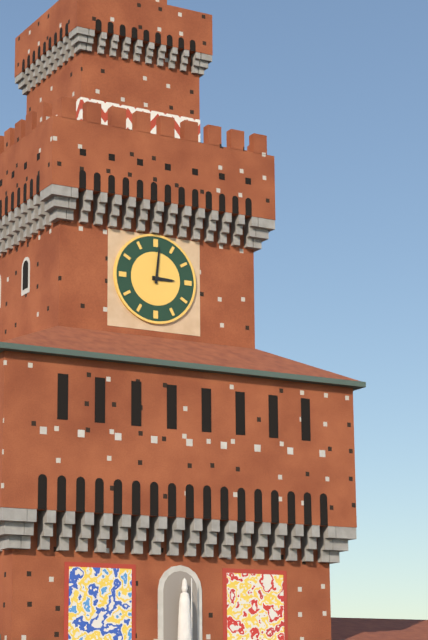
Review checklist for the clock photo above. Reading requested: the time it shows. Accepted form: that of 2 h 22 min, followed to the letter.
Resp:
3 h 01 min
